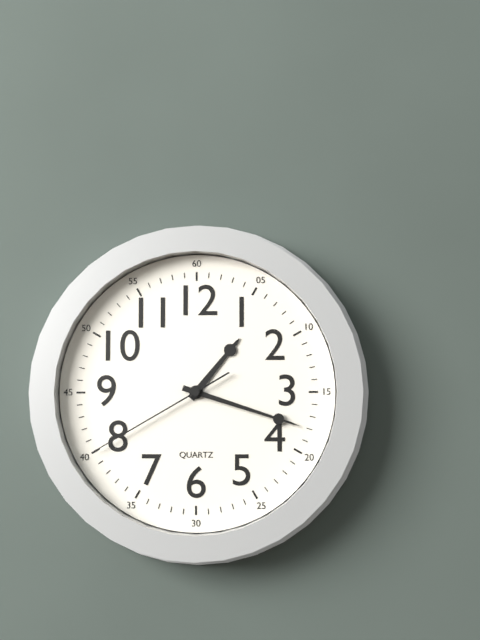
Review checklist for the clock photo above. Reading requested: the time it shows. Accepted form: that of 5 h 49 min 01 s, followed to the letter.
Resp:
1 h 18 min 40 s
